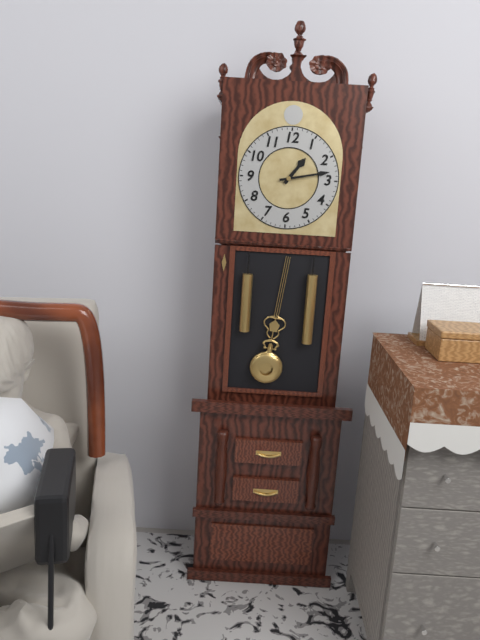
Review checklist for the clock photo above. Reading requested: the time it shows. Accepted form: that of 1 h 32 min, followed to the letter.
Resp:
1 h 13 min
